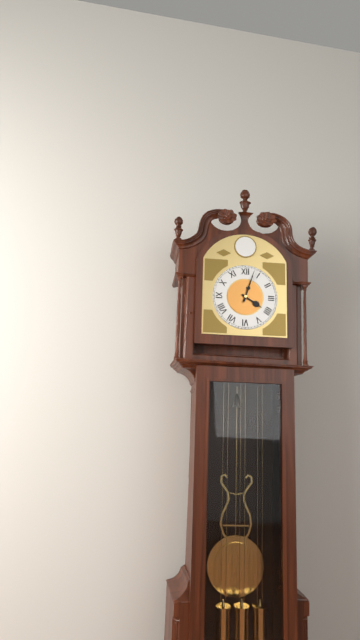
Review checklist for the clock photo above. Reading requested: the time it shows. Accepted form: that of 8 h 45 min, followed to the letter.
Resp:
4 h 03 min
